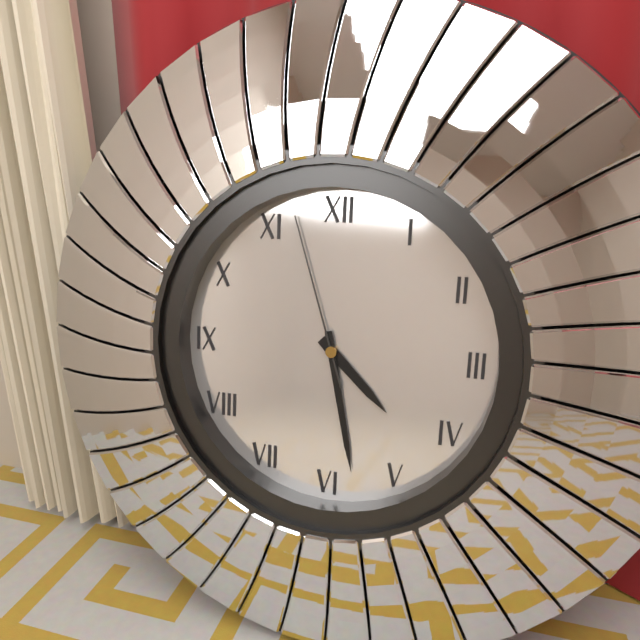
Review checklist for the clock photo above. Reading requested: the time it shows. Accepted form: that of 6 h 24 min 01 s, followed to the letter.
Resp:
4 h 28 min 57 s
